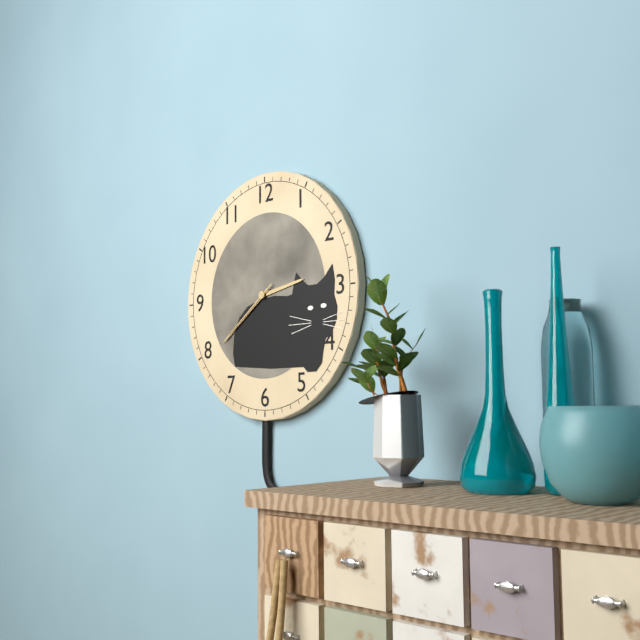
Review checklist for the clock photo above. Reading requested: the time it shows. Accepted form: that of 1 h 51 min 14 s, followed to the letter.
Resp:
2 h 39 min 39 s
